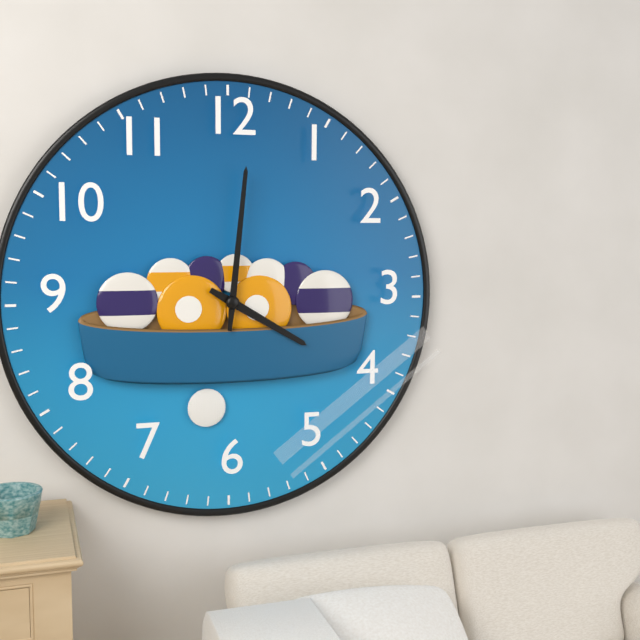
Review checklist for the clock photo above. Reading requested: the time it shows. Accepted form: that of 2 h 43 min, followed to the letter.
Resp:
4 h 01 min
